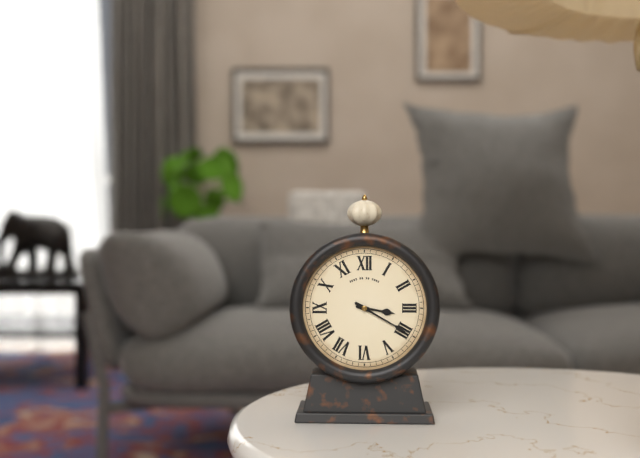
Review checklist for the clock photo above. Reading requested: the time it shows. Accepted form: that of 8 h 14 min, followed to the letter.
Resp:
3 h 20 min
